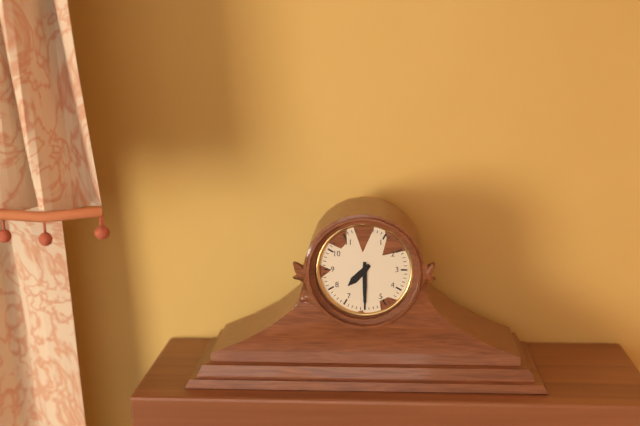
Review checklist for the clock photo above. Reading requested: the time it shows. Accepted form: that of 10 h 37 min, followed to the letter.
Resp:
7 h 30 min
